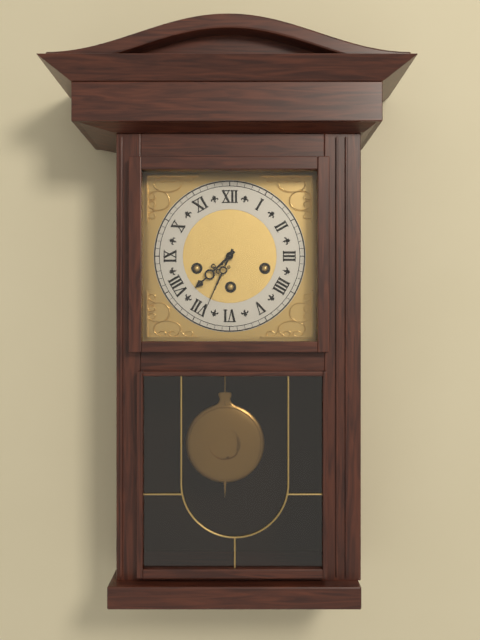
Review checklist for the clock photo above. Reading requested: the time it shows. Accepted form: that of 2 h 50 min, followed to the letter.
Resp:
7 h 34 min
